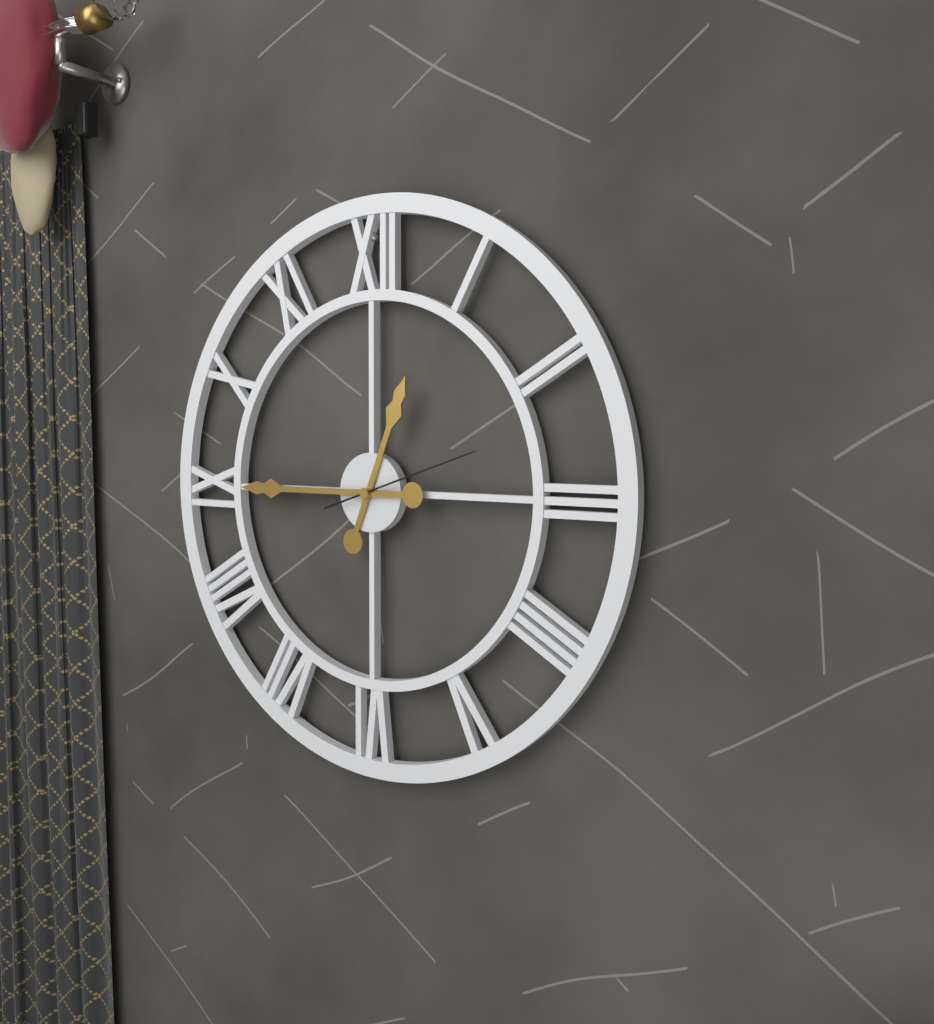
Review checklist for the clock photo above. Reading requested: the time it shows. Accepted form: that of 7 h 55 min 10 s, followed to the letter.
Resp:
12 h 45 min 12 s
